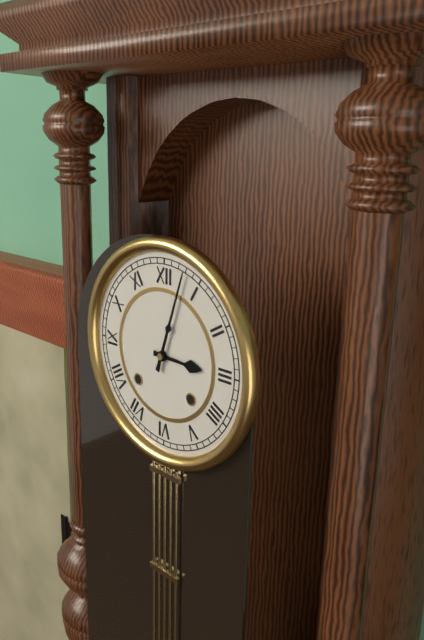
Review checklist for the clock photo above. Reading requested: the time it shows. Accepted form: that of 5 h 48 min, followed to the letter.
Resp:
3 h 03 min
